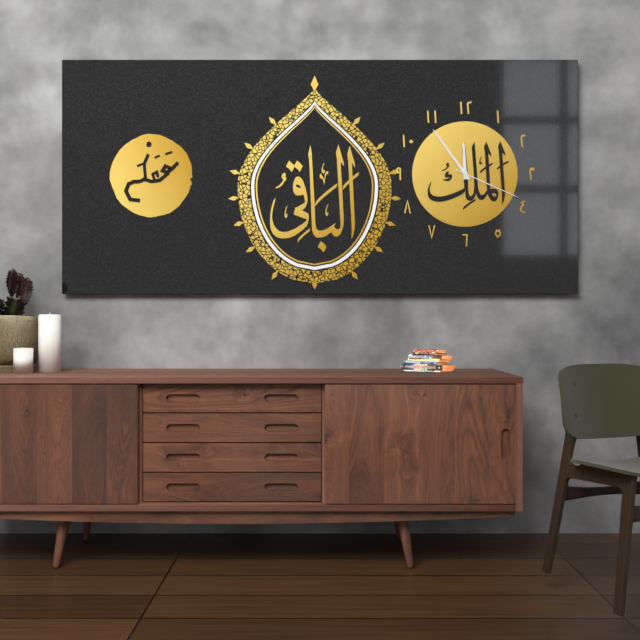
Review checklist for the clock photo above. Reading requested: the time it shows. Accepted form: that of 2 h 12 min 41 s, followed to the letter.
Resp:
11 h 54 min 19 s
